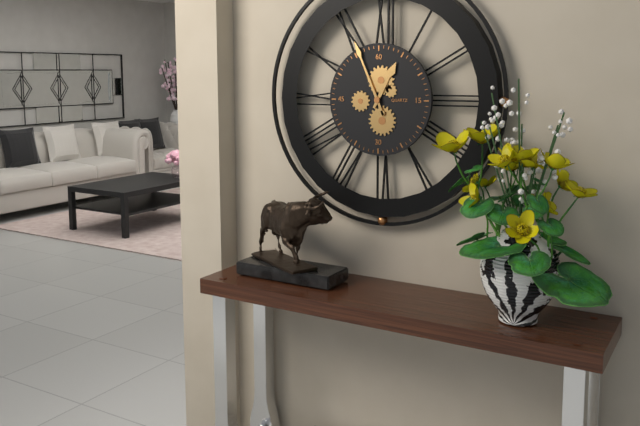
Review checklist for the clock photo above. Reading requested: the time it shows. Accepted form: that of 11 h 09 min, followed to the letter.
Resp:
12 h 56 min
